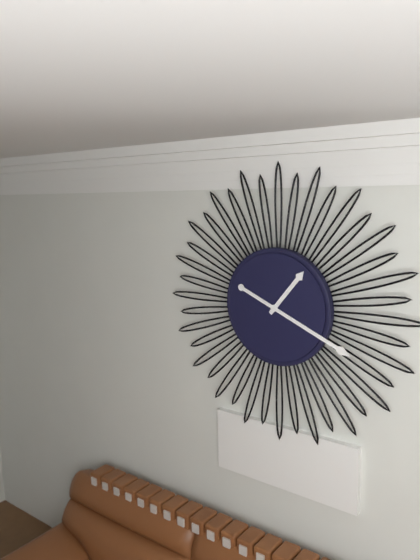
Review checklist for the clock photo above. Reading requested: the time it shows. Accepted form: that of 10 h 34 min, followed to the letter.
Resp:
1 h 19 min
